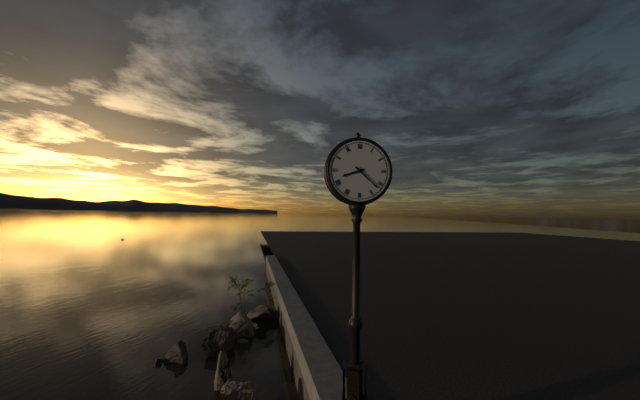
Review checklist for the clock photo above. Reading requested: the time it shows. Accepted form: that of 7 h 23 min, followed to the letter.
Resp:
8 h 22 min
